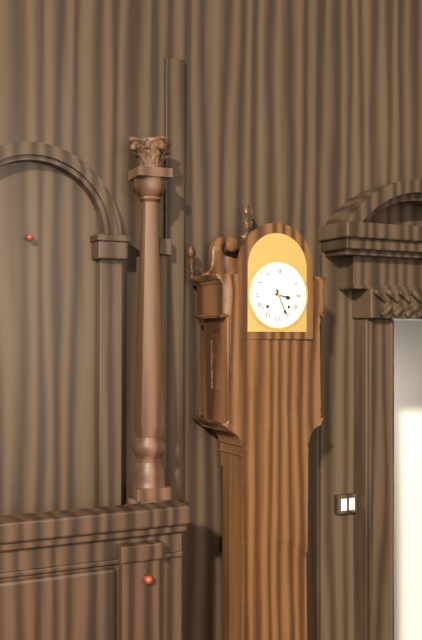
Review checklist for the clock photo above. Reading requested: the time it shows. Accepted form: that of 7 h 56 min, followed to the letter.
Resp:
3 h 26 min
